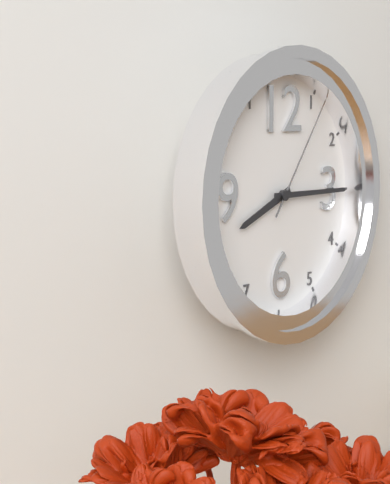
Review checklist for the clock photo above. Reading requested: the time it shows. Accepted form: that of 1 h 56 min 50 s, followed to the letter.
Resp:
8 h 15 min 06 s
